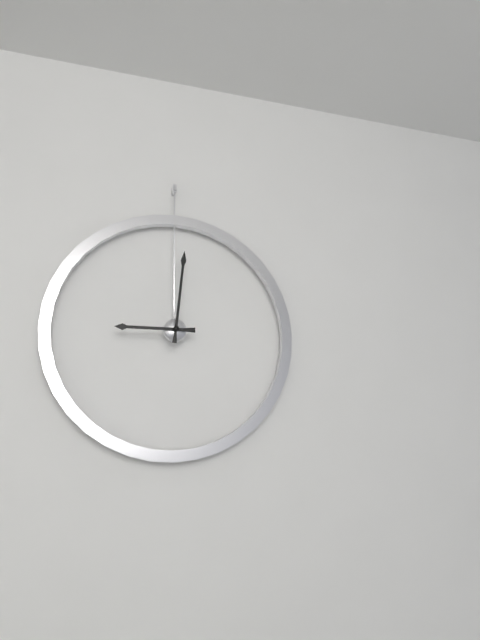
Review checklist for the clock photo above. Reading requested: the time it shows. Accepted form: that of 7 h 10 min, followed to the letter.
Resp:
9 h 01 min
